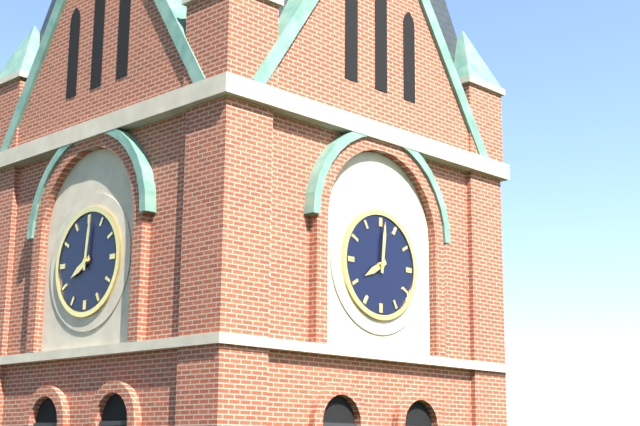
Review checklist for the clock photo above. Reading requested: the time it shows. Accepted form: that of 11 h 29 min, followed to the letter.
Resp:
8 h 01 min
